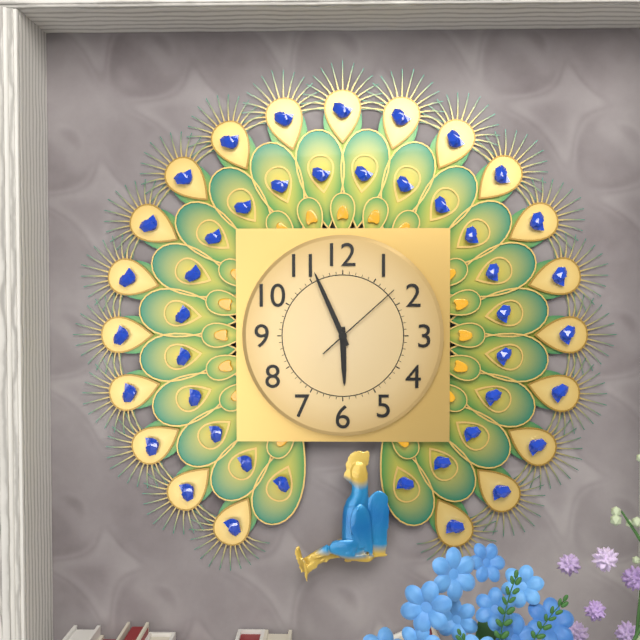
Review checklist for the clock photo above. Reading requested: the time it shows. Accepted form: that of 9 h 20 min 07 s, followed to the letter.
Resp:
5 h 56 min 08 s
